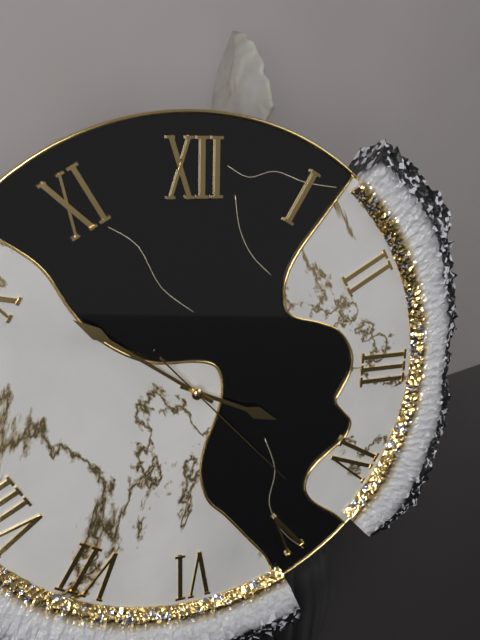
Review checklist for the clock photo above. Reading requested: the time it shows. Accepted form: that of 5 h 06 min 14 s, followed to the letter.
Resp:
3 h 51 min 23 s
